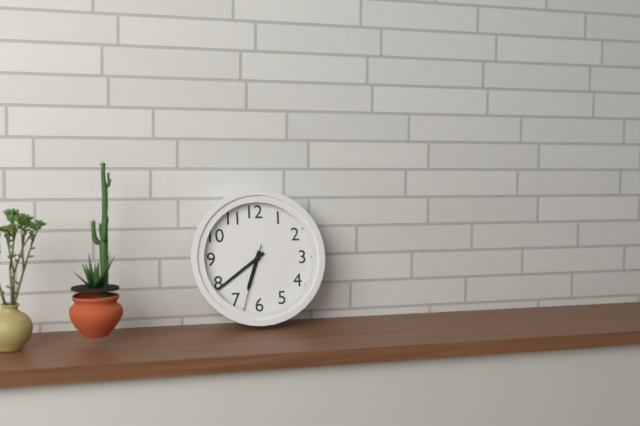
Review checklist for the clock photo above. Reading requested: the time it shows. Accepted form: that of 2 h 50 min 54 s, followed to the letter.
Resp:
6 h 39 min 33 s
